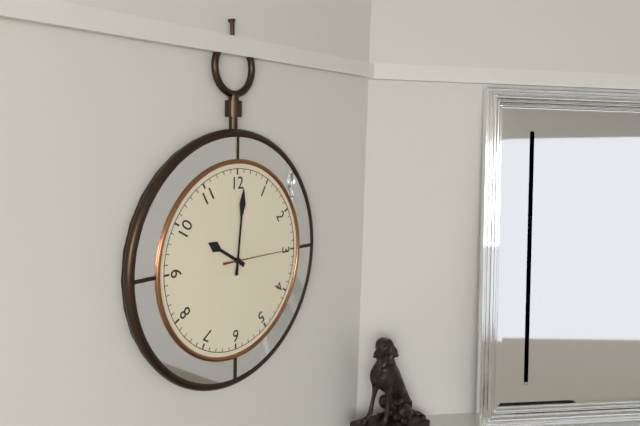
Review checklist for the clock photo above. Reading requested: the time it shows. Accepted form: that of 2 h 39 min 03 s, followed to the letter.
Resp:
10 h 01 min 15 s
